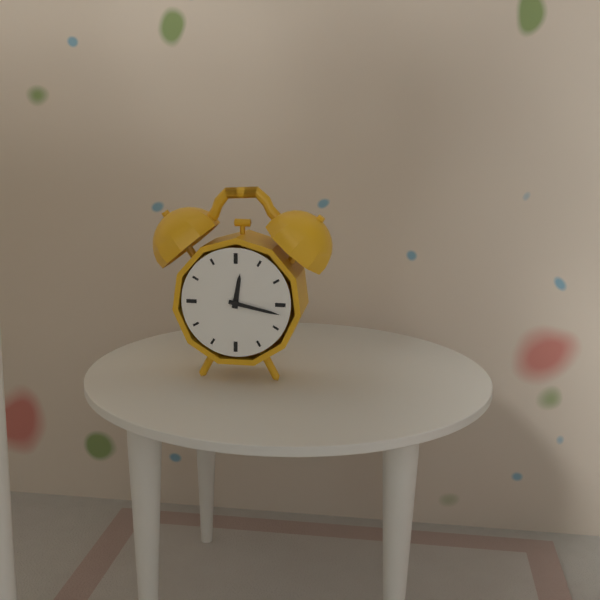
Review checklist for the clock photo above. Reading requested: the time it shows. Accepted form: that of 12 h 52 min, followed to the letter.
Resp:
12 h 17 min
